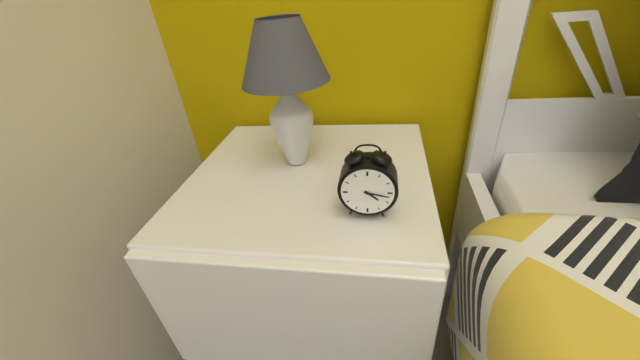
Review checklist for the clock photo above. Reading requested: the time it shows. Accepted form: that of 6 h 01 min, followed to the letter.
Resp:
4 h 17 min
